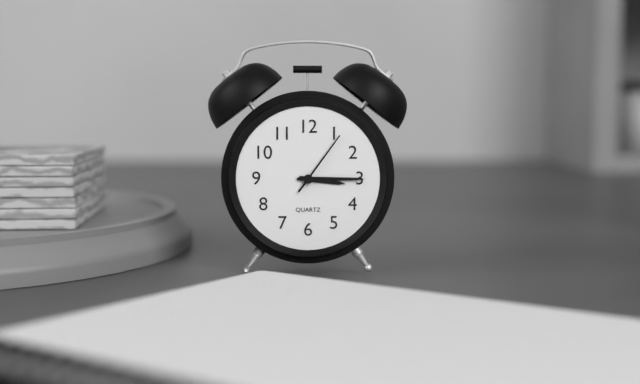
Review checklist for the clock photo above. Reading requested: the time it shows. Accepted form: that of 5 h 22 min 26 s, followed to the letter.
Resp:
3 h 15 min 06 s
